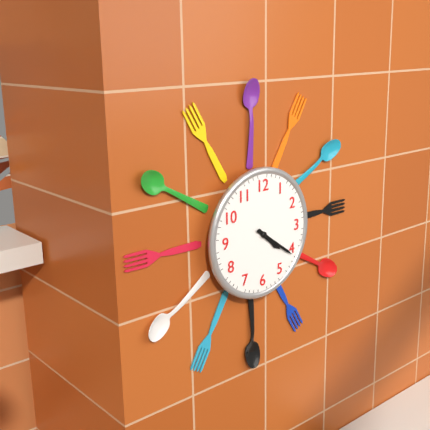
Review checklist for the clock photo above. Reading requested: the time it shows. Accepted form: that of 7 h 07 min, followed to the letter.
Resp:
4 h 21 min
